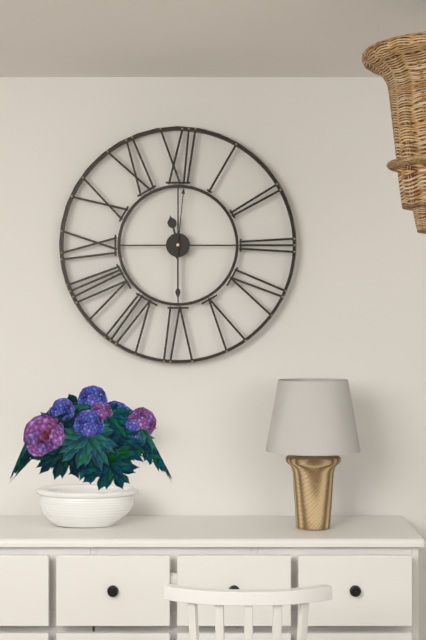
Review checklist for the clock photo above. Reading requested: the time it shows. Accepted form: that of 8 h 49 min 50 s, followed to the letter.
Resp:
11 h 30 min 01 s
